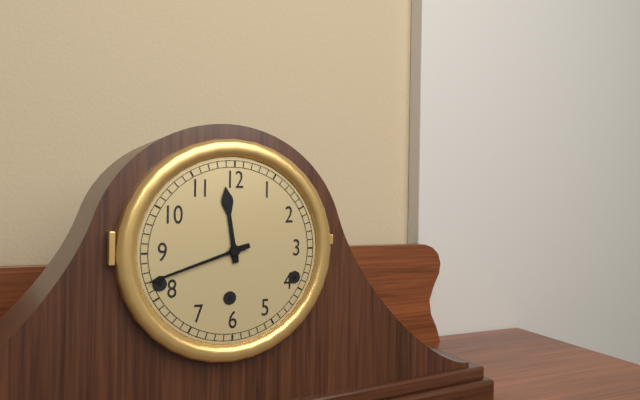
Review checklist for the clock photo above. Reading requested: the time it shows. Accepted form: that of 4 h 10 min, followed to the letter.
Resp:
11 h 42 min
